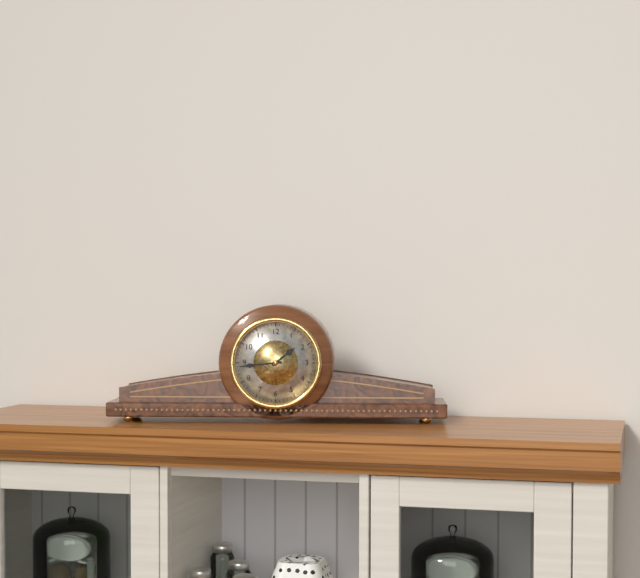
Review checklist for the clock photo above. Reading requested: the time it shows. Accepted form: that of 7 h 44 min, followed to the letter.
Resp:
1 h 44 min
